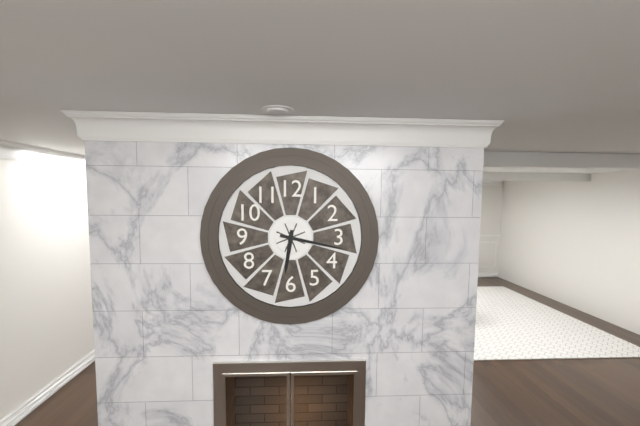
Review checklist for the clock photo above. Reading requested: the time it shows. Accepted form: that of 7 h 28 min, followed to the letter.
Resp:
6 h 17 min
